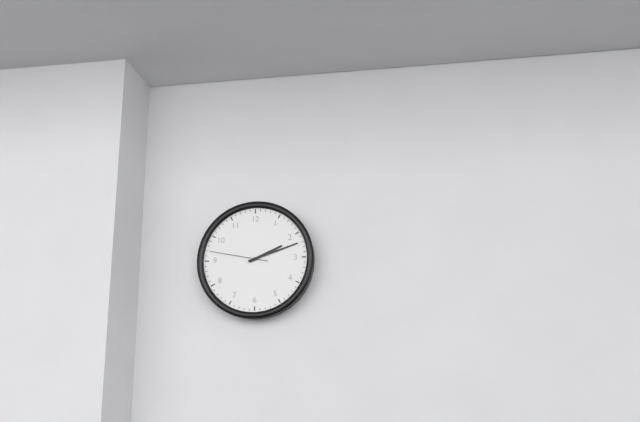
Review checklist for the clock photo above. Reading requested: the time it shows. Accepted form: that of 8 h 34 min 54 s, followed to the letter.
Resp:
2 h 12 min 47 s
